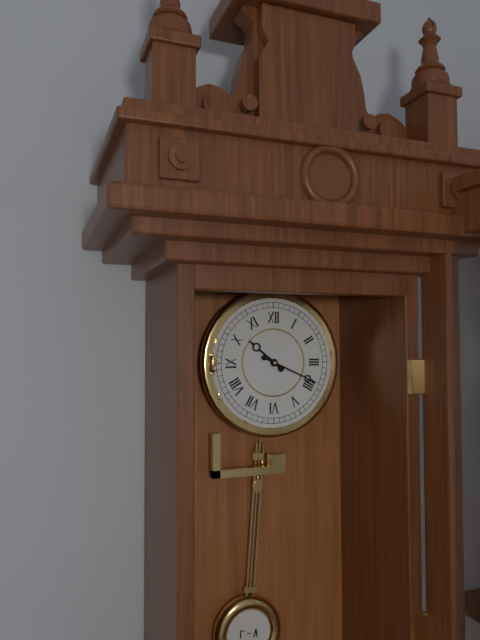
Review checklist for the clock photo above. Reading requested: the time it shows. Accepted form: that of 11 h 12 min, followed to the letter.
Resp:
10 h 19 min
